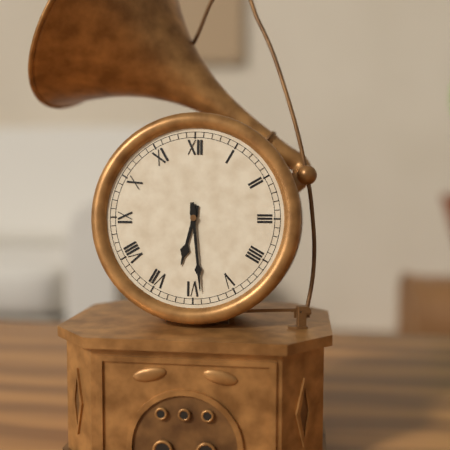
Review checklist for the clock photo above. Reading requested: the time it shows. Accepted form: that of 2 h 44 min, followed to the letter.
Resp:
6 h 29 min
